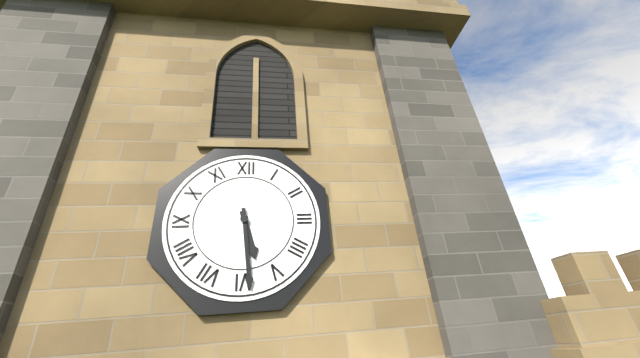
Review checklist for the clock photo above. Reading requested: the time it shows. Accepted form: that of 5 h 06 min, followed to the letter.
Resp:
5 h 29 min
